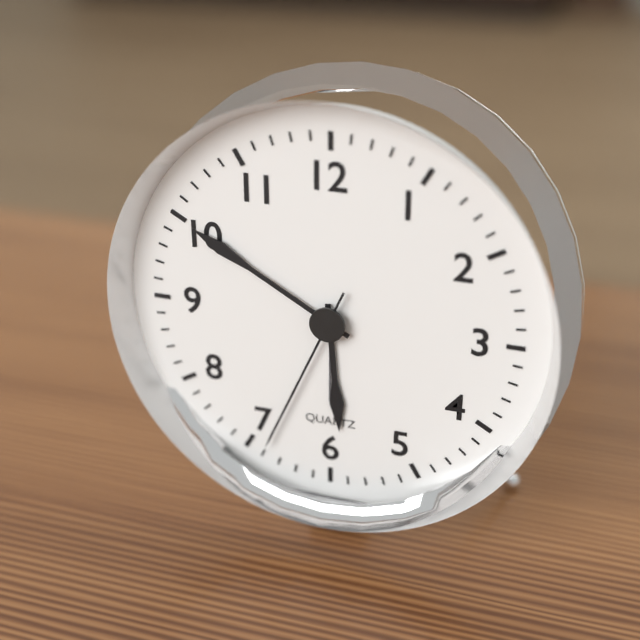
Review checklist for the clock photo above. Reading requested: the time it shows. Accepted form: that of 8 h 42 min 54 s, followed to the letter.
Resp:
5 h 50 min 34 s
